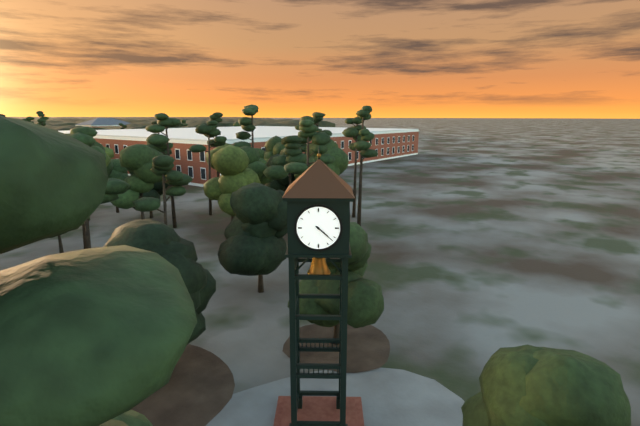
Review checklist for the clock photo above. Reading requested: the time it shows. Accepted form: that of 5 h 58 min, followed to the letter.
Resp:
4 h 22 min
